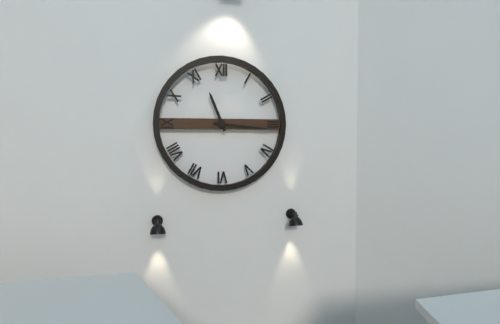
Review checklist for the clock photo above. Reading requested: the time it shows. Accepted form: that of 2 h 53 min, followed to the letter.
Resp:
11 h 16 min
